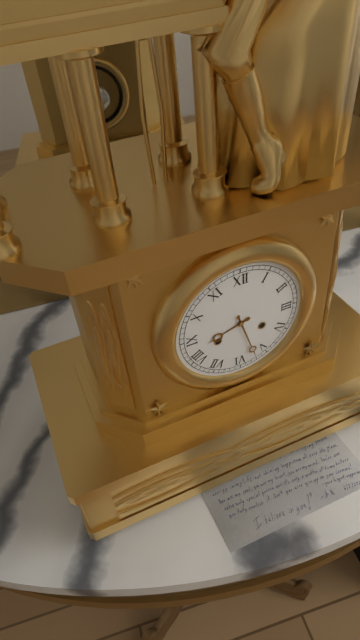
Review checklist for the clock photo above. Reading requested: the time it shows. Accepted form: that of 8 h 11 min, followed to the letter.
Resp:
8 h 27 min
